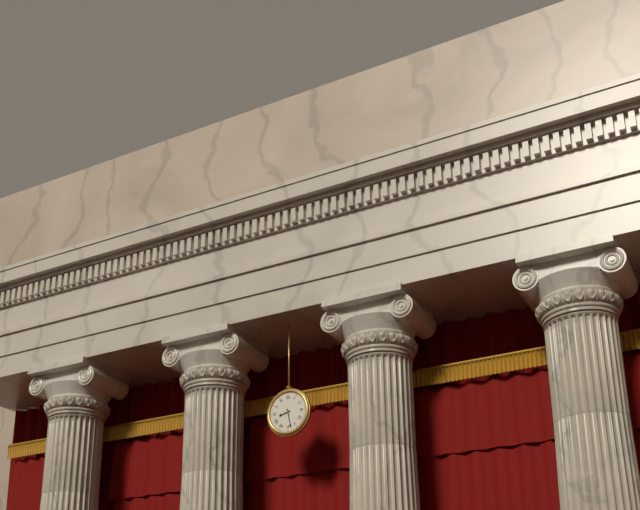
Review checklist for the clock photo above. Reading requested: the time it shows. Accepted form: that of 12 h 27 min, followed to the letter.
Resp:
8 h 28 min
